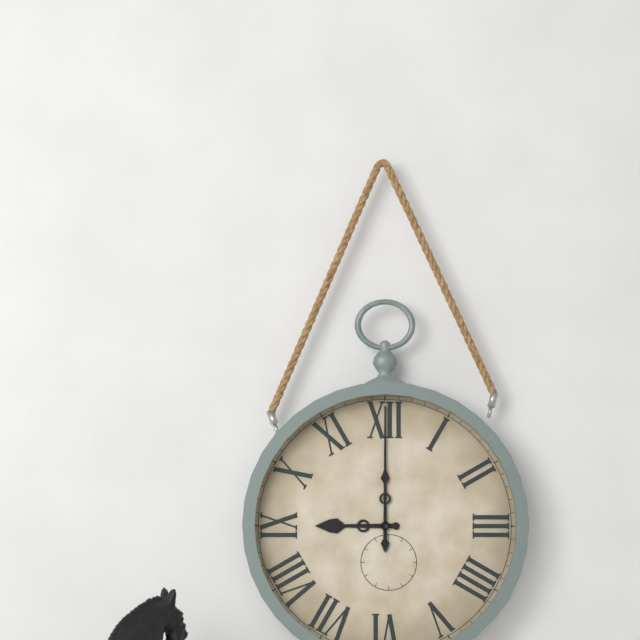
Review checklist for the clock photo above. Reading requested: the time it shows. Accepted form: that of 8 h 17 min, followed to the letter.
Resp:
9 h 00 min
